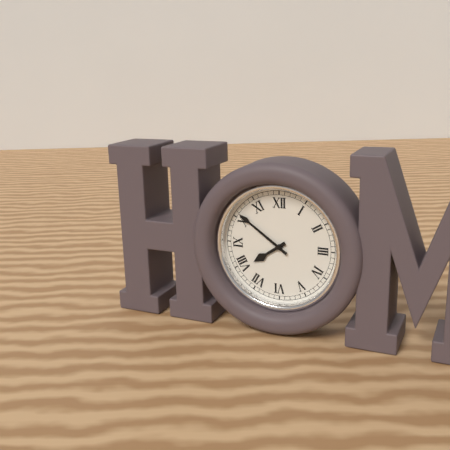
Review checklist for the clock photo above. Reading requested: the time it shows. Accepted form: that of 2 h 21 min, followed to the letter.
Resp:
7 h 51 min
